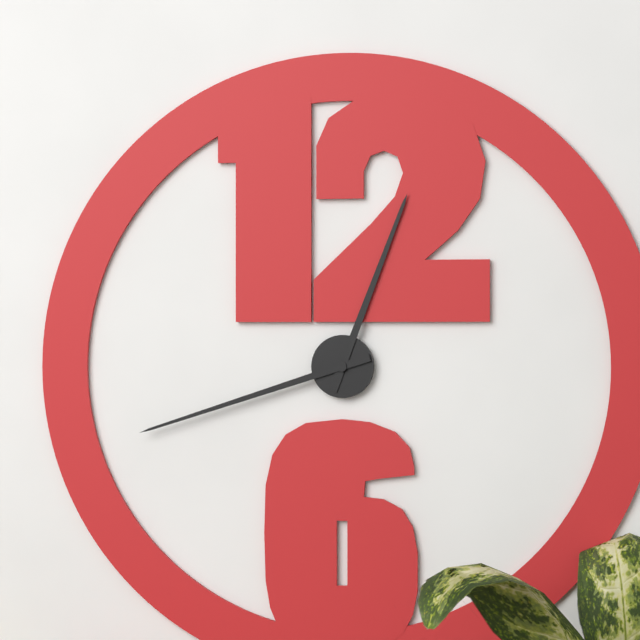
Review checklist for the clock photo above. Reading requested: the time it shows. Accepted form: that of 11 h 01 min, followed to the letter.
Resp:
12 h 42 min
